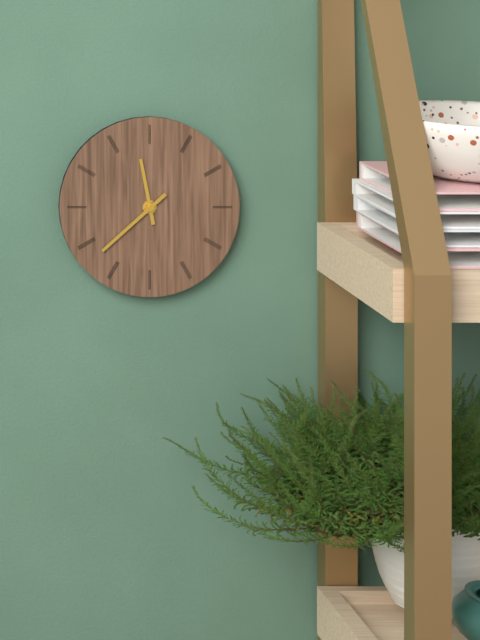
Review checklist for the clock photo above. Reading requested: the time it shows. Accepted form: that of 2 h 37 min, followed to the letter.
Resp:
11 h 38 min
